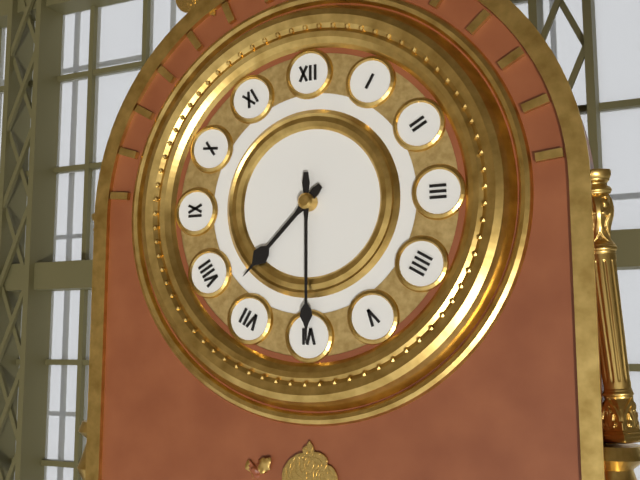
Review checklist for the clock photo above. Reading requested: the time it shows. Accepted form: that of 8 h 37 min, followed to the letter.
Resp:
7 h 30 min
